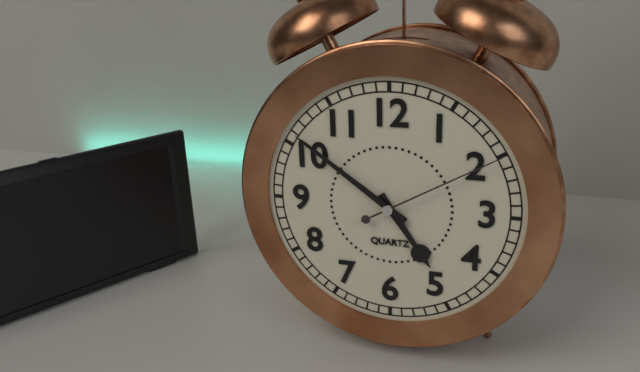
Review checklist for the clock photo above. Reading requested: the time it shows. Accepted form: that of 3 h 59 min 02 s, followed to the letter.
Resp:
4 h 51 min 10 s
